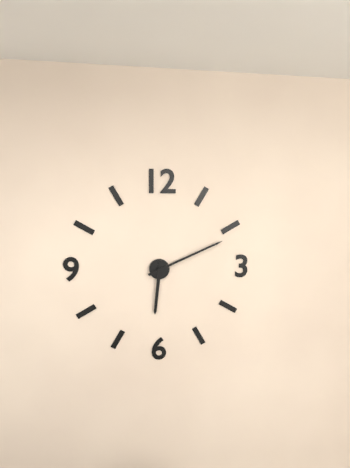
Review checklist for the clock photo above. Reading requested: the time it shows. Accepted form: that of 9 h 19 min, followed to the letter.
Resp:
6 h 11 min
